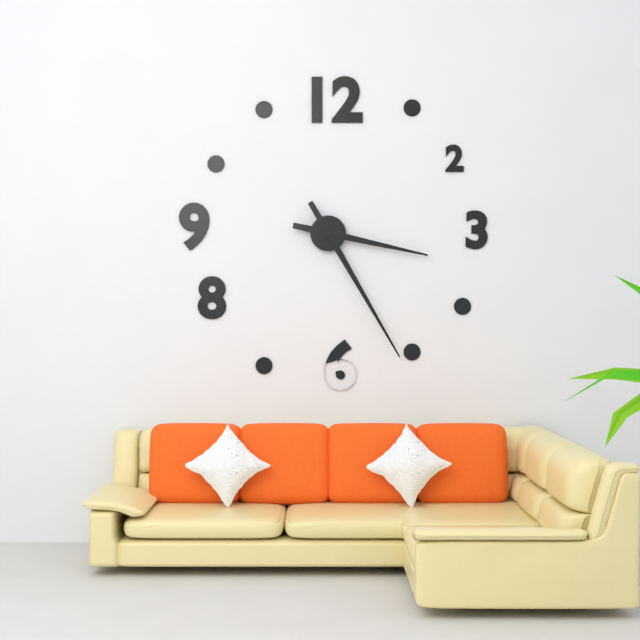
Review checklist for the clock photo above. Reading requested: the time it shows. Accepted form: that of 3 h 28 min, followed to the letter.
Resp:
3 h 25 min
